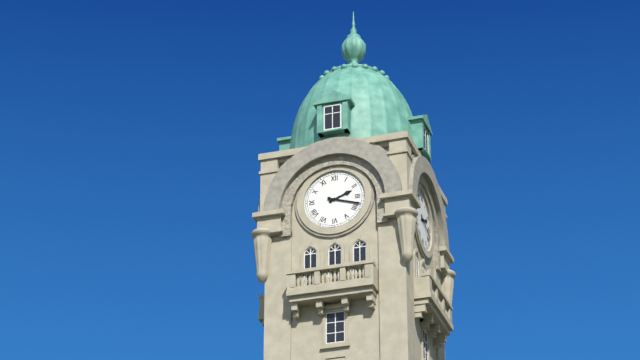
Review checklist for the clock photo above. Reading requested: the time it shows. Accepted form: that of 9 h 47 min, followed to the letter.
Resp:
2 h 18 min
